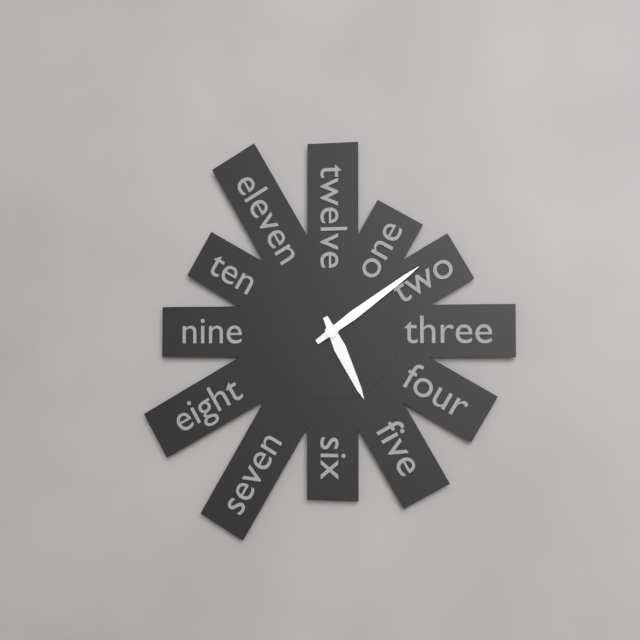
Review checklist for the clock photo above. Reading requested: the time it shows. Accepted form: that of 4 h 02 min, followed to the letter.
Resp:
5 h 09 min
